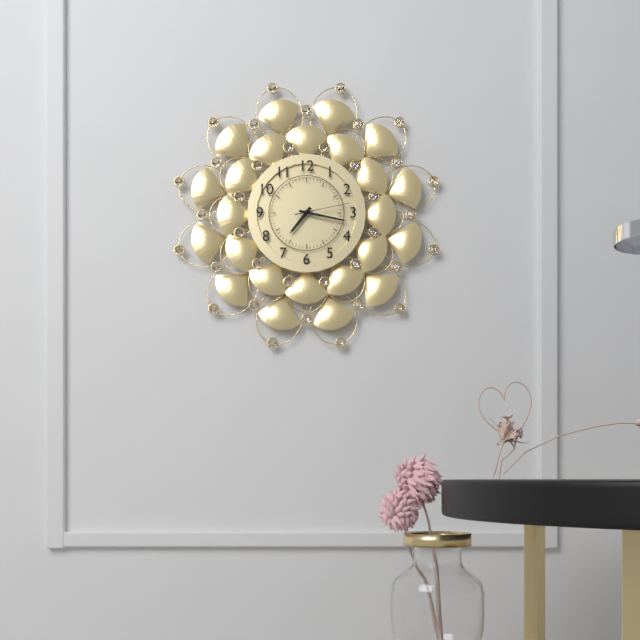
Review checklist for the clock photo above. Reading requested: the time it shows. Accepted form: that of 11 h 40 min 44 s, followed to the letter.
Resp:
7 h 17 min 13 s
